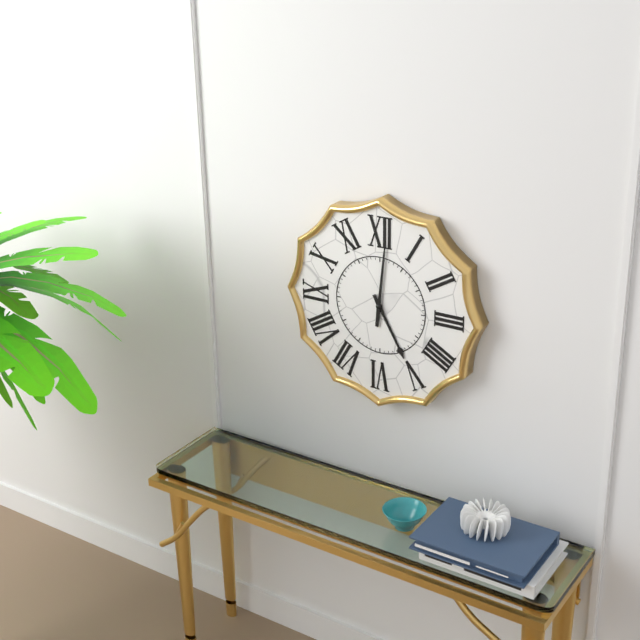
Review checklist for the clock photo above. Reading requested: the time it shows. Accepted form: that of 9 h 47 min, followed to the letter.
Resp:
5 h 01 min
